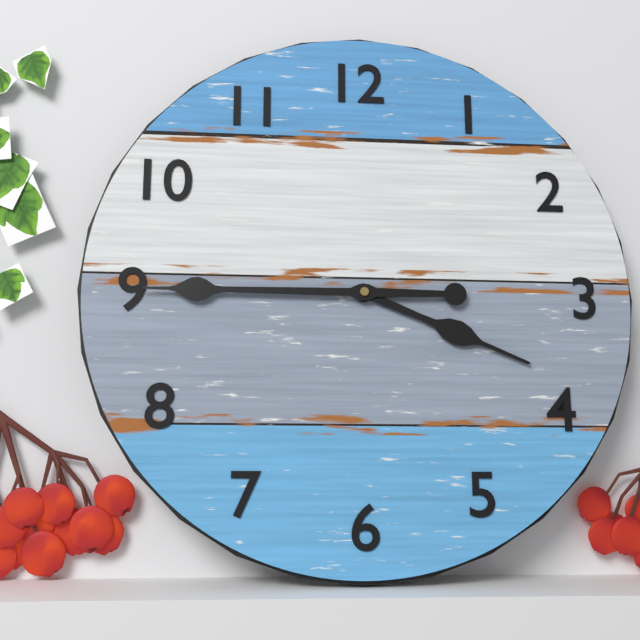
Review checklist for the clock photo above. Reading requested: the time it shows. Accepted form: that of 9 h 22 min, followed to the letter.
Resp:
3 h 45 min
